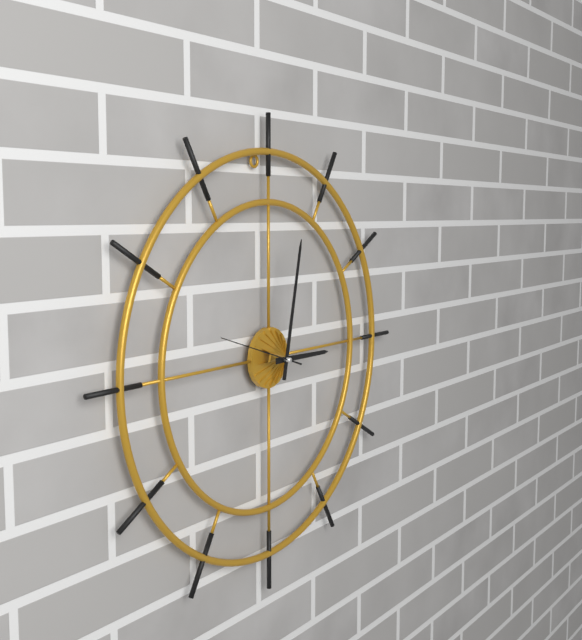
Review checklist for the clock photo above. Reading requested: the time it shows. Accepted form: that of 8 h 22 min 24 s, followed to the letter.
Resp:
3 h 02 min 48 s
